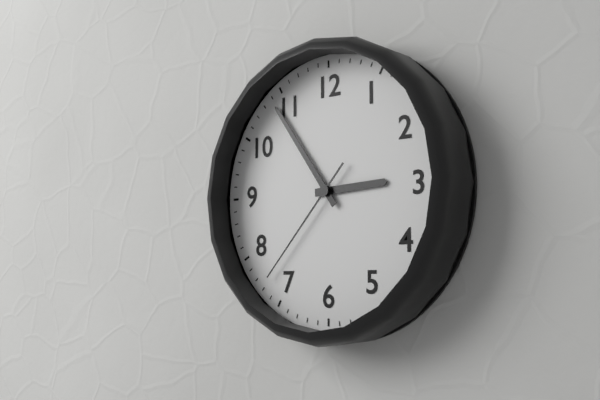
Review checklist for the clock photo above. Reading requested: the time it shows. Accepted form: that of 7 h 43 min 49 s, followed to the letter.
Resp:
2 h 54 min 37 s
